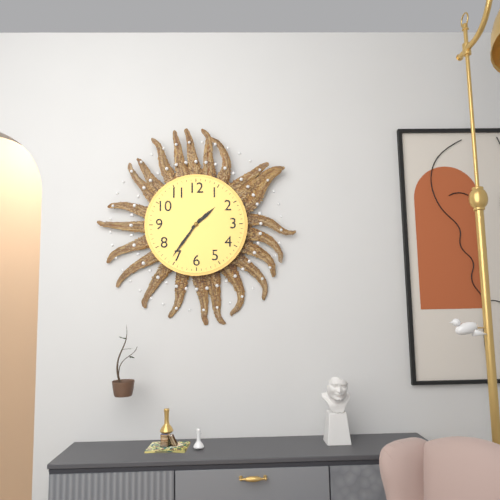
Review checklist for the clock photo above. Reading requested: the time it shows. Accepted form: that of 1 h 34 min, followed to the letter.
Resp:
1 h 36 min
